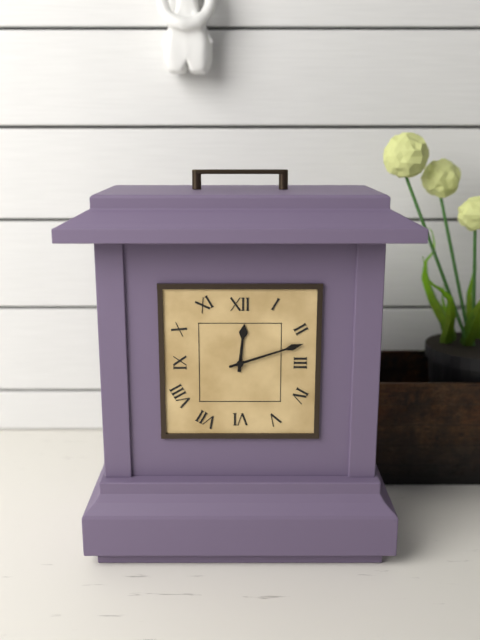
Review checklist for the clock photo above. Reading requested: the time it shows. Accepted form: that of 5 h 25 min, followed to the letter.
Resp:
12 h 12 min
